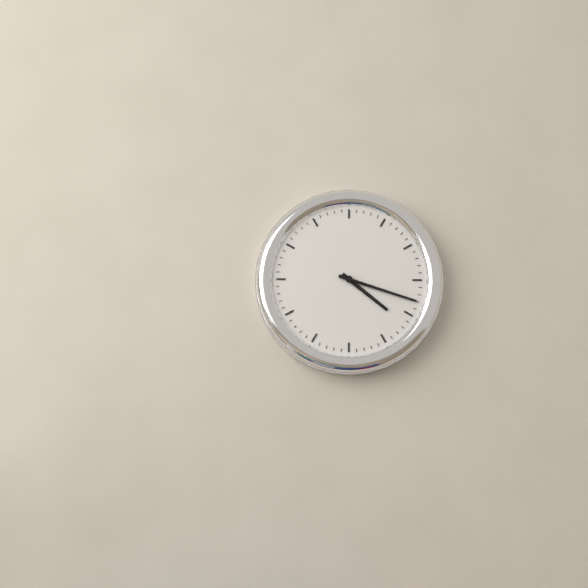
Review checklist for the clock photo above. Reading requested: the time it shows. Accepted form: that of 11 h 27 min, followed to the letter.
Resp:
4 h 18 min
